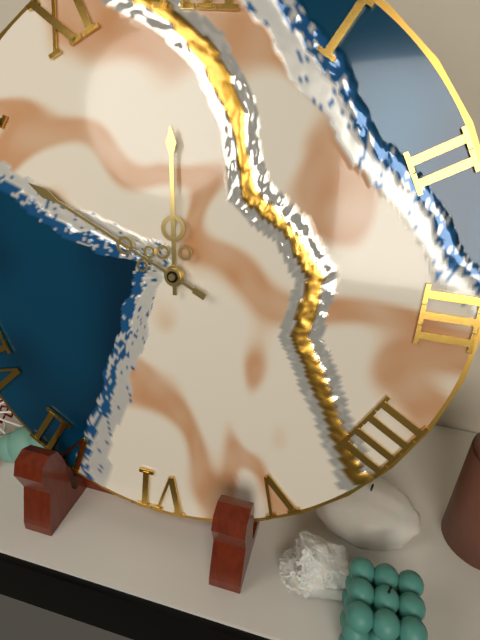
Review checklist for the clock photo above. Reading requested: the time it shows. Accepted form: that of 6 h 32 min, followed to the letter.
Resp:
11 h 49 min
